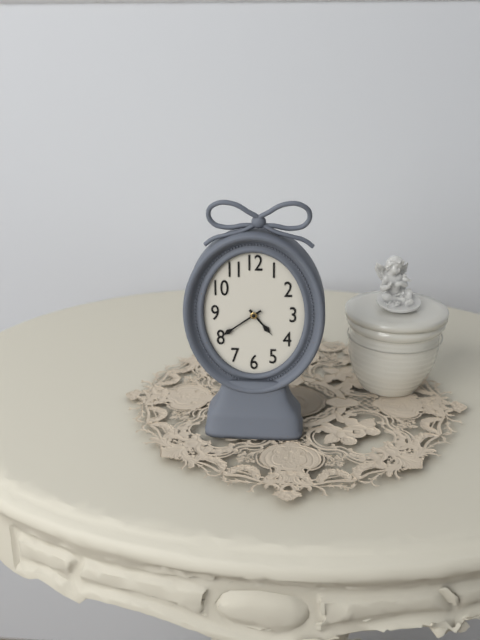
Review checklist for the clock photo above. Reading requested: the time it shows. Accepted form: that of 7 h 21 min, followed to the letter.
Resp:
4 h 39 min
